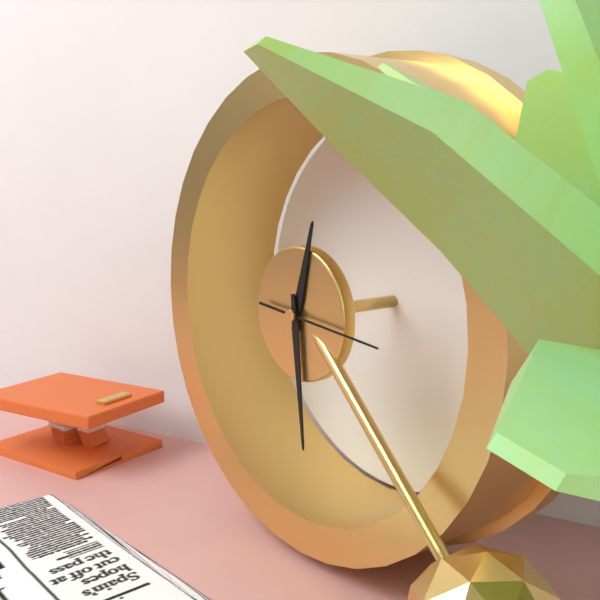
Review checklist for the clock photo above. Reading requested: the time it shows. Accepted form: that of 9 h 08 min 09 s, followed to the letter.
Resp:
12 h 29 min 16 s
